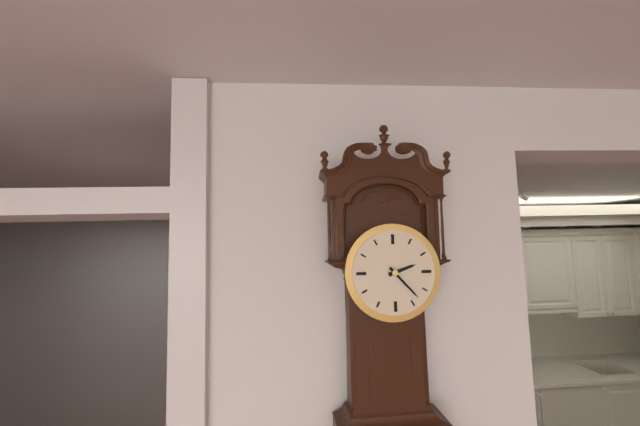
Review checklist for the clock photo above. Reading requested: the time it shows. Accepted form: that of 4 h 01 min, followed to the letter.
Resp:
2 h 23 min
